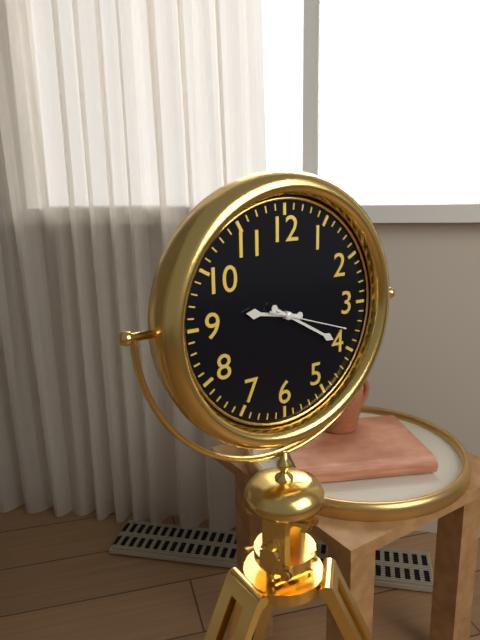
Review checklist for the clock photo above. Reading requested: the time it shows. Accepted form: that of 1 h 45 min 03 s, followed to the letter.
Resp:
9 h 20 min 18 s
